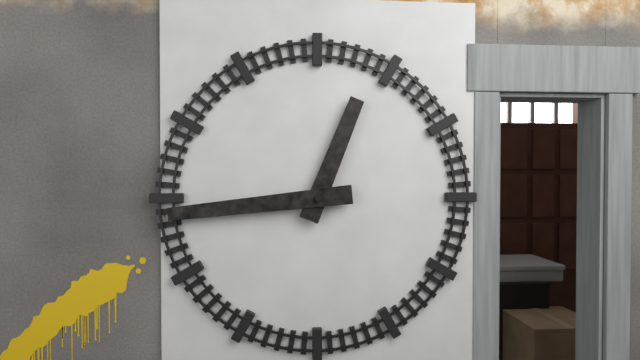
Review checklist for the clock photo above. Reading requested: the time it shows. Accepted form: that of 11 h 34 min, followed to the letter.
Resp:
12 h 44 min
